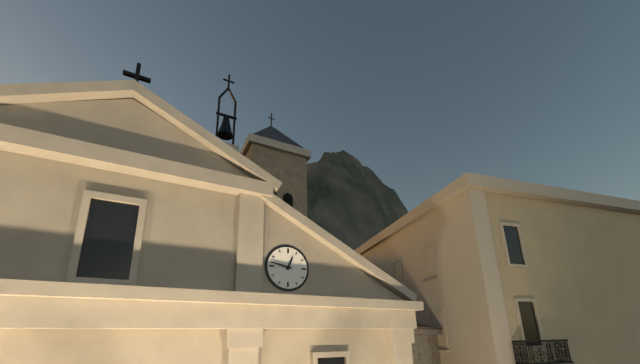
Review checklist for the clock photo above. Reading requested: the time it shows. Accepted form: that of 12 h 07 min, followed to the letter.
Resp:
12 h 47 min
